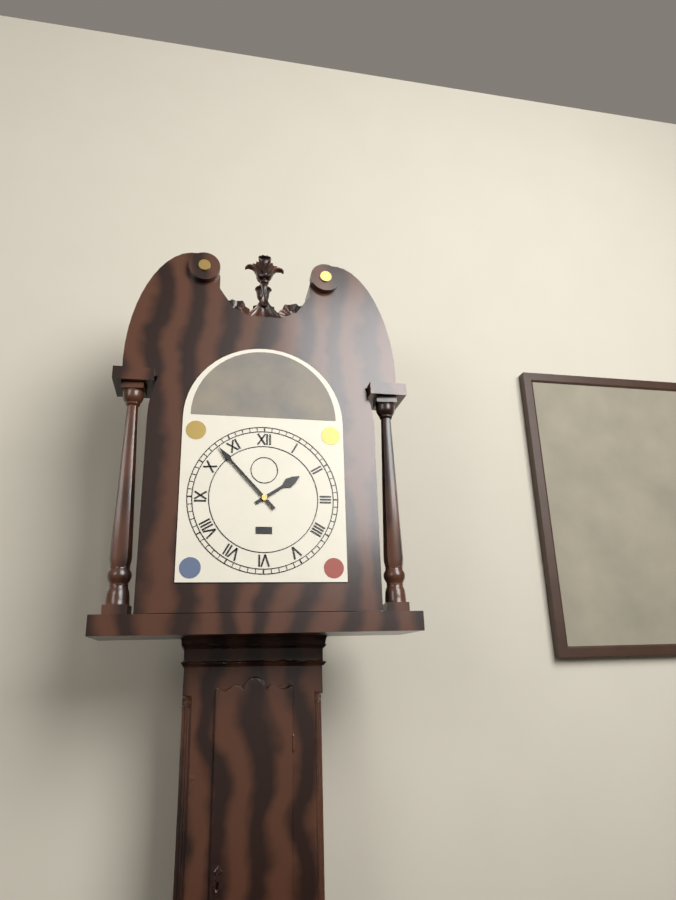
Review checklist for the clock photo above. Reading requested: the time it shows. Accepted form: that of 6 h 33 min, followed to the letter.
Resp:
1 h 53 min
